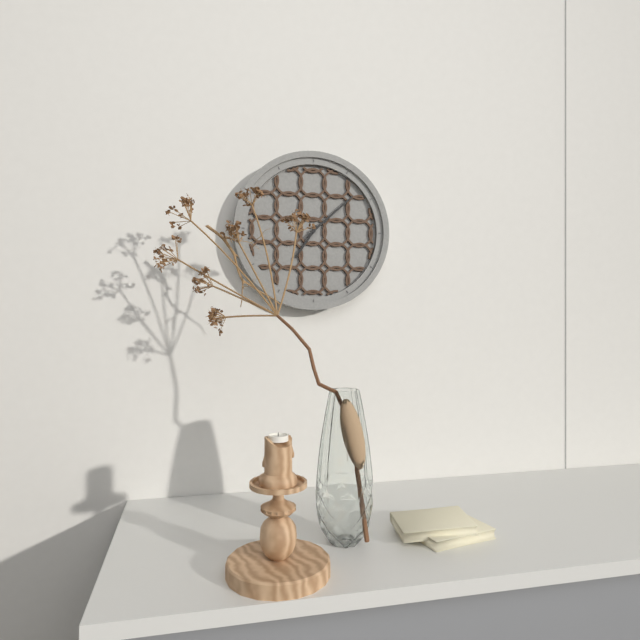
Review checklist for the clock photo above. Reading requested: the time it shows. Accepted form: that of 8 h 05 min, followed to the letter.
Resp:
7 h 08 min
